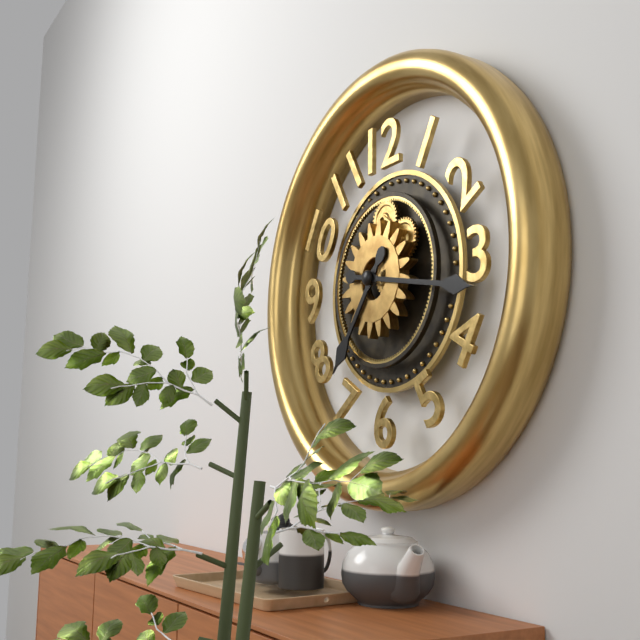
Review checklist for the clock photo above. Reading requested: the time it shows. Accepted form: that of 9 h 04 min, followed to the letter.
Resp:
7 h 17 min
